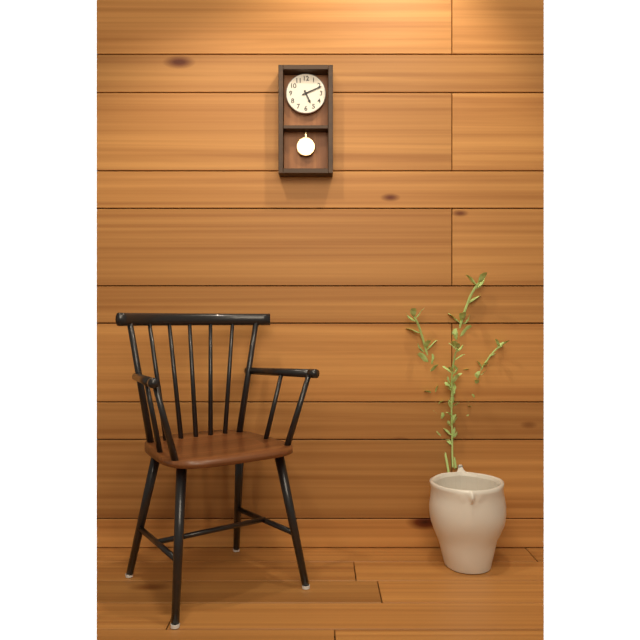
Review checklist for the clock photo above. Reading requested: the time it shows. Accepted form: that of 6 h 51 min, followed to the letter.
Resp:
5 h 11 min
